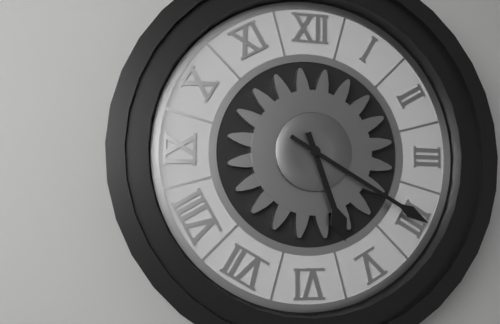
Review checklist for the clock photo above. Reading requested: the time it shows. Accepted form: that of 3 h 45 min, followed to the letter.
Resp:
5 h 20 min
